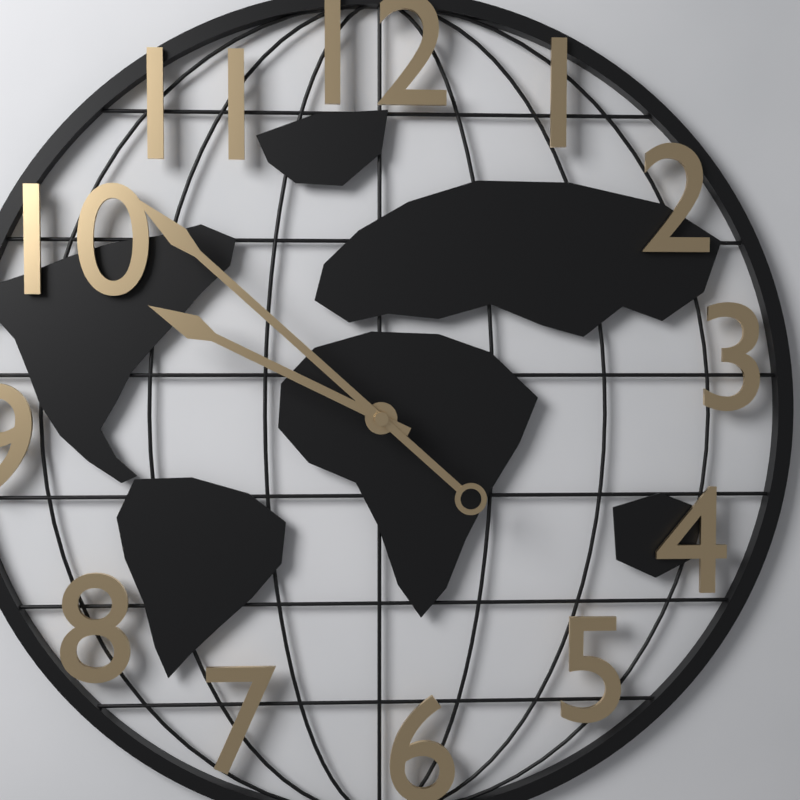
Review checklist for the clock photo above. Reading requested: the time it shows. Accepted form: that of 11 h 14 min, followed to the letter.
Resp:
9 h 52 min
